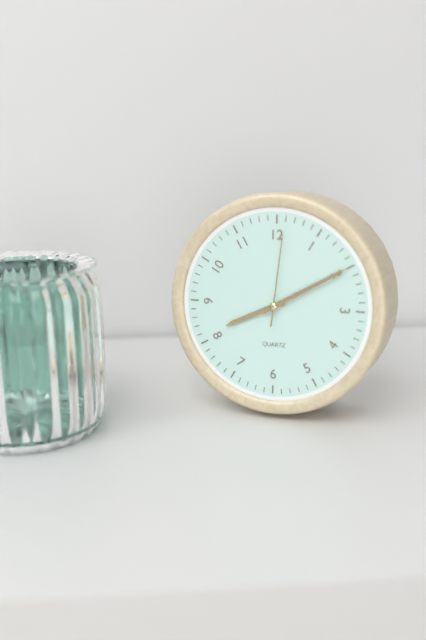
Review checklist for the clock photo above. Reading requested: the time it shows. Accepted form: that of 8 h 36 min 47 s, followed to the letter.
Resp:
8 h 10 min 01 s
